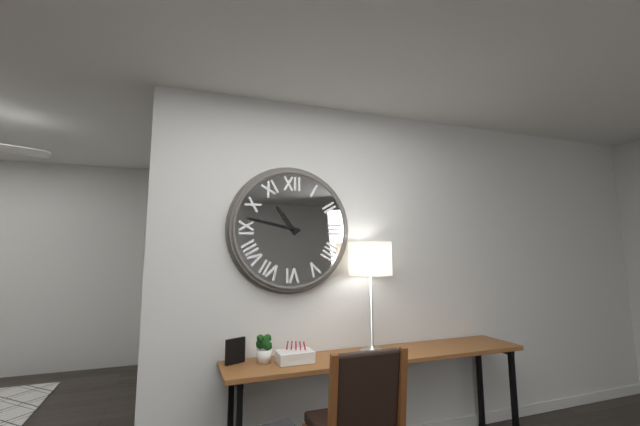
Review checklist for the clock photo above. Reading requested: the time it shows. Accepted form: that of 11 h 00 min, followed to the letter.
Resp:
10 h 47 min
